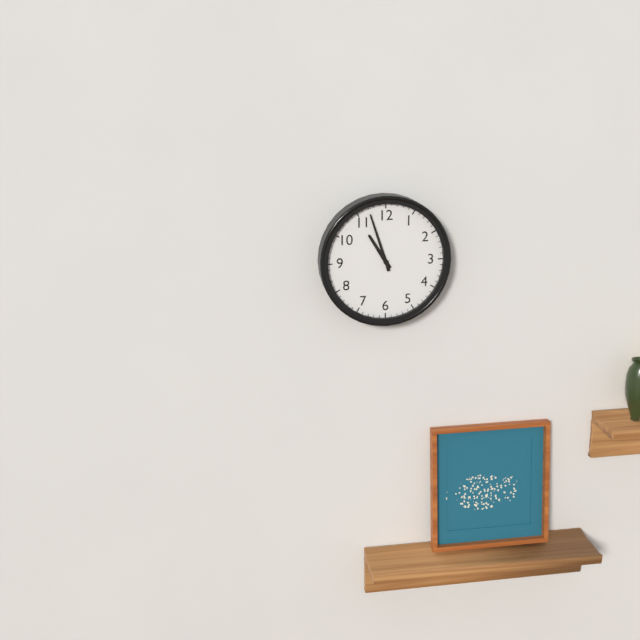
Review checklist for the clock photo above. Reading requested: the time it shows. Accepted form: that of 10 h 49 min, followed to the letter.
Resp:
10 h 57 min
